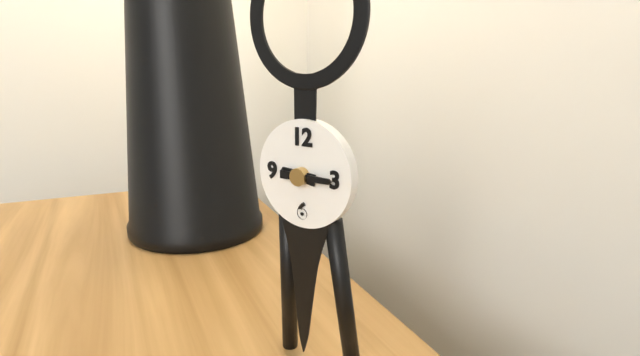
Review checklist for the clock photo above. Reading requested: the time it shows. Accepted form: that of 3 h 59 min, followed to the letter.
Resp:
9 h 15 min
